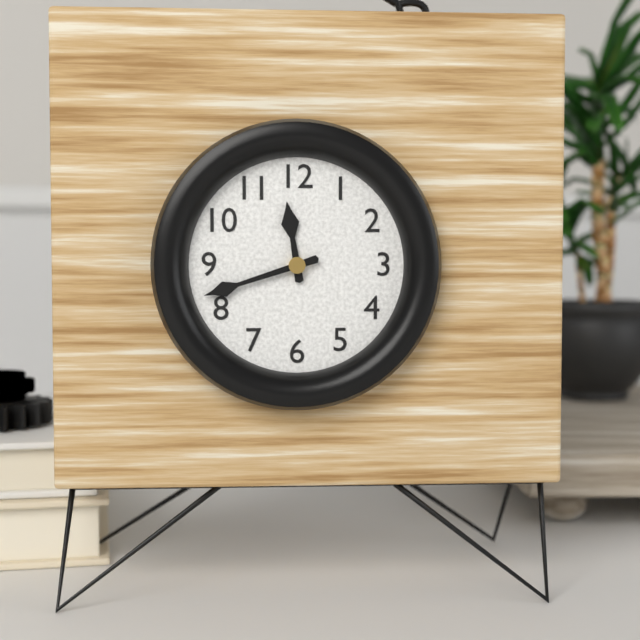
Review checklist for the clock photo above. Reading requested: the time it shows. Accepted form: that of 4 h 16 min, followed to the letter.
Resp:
11 h 42 min
